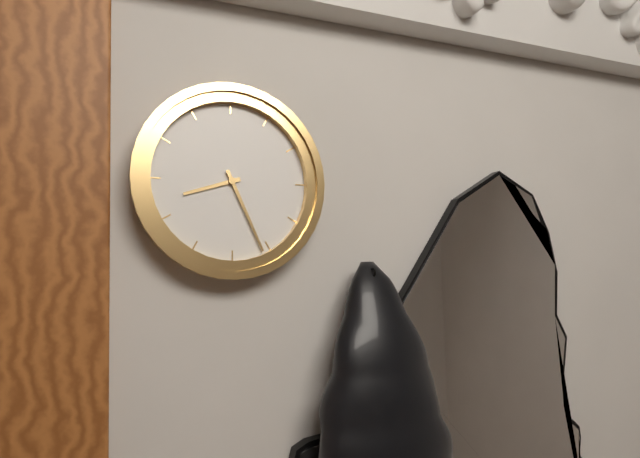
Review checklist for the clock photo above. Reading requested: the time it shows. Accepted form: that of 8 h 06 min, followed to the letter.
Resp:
8 h 26 min
